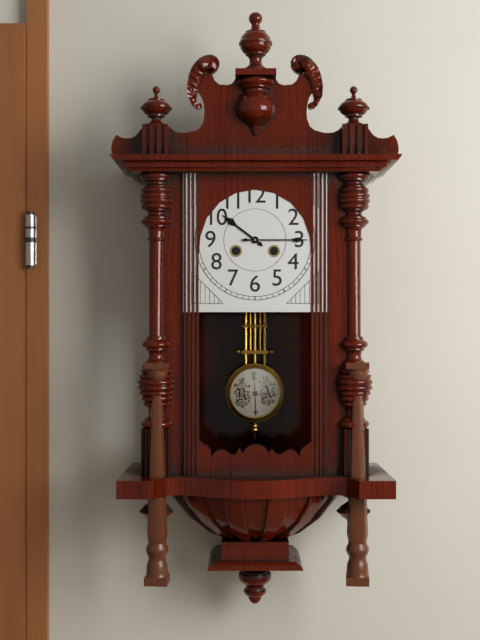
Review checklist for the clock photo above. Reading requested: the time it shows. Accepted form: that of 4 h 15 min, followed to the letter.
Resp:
10 h 15 min
